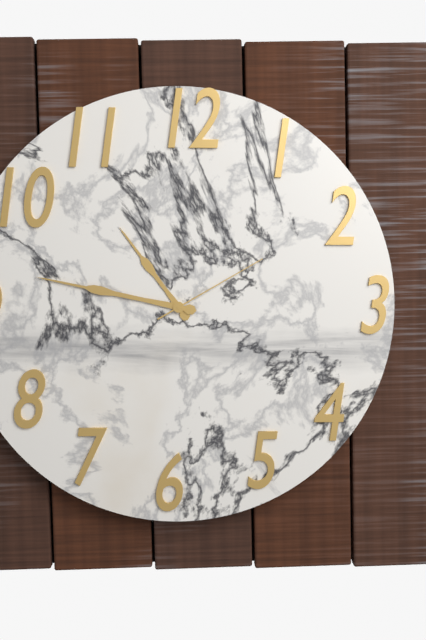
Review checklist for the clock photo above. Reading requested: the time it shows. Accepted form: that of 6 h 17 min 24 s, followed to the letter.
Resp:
10 h 47 min 10 s
